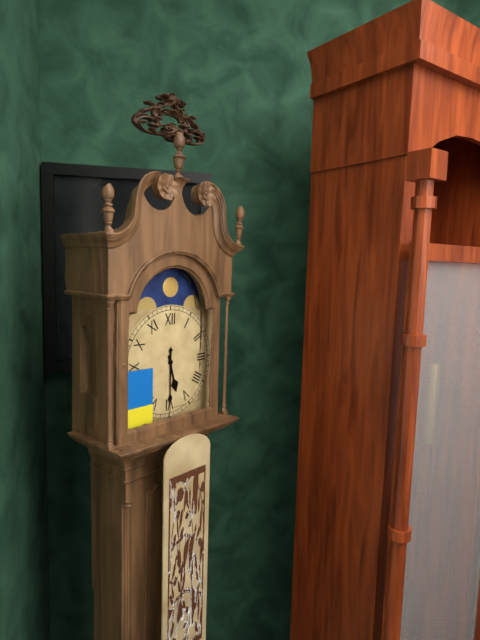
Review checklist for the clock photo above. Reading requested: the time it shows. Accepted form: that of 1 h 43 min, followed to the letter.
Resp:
5 h 30 min
